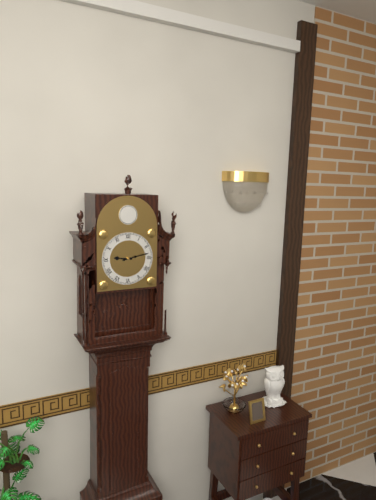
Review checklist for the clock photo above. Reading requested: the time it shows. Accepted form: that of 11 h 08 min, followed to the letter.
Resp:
9 h 13 min
